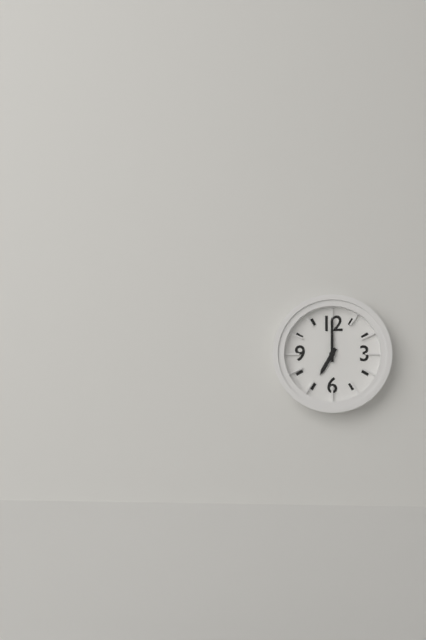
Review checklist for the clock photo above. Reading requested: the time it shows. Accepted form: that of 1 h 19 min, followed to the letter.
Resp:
7 h 00 min
